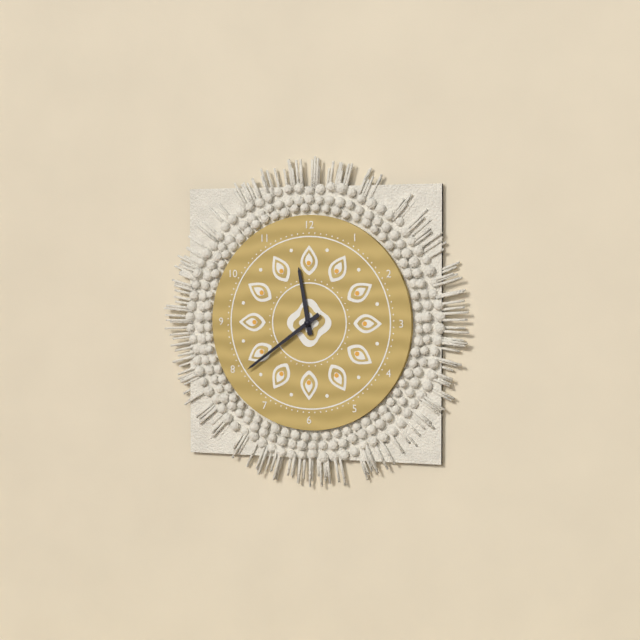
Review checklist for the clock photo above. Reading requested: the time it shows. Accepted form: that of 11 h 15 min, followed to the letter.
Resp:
11 h 39 min
